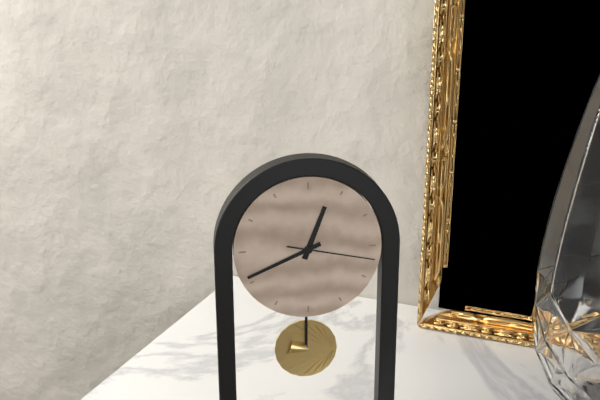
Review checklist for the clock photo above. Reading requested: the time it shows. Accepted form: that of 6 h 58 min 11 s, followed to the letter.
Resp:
12 h 41 min 17 s
